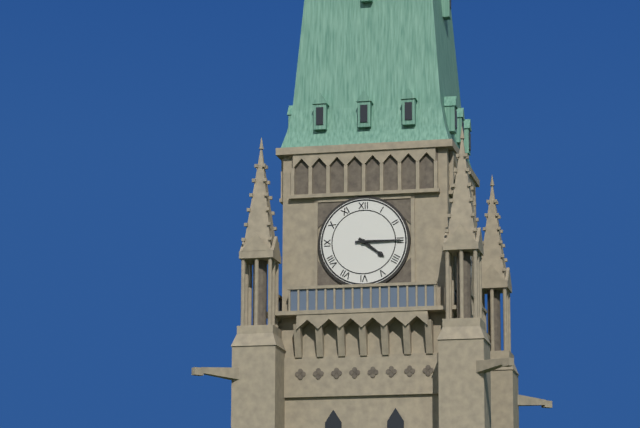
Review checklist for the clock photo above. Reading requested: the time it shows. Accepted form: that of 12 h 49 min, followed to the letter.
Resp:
4 h 15 min
